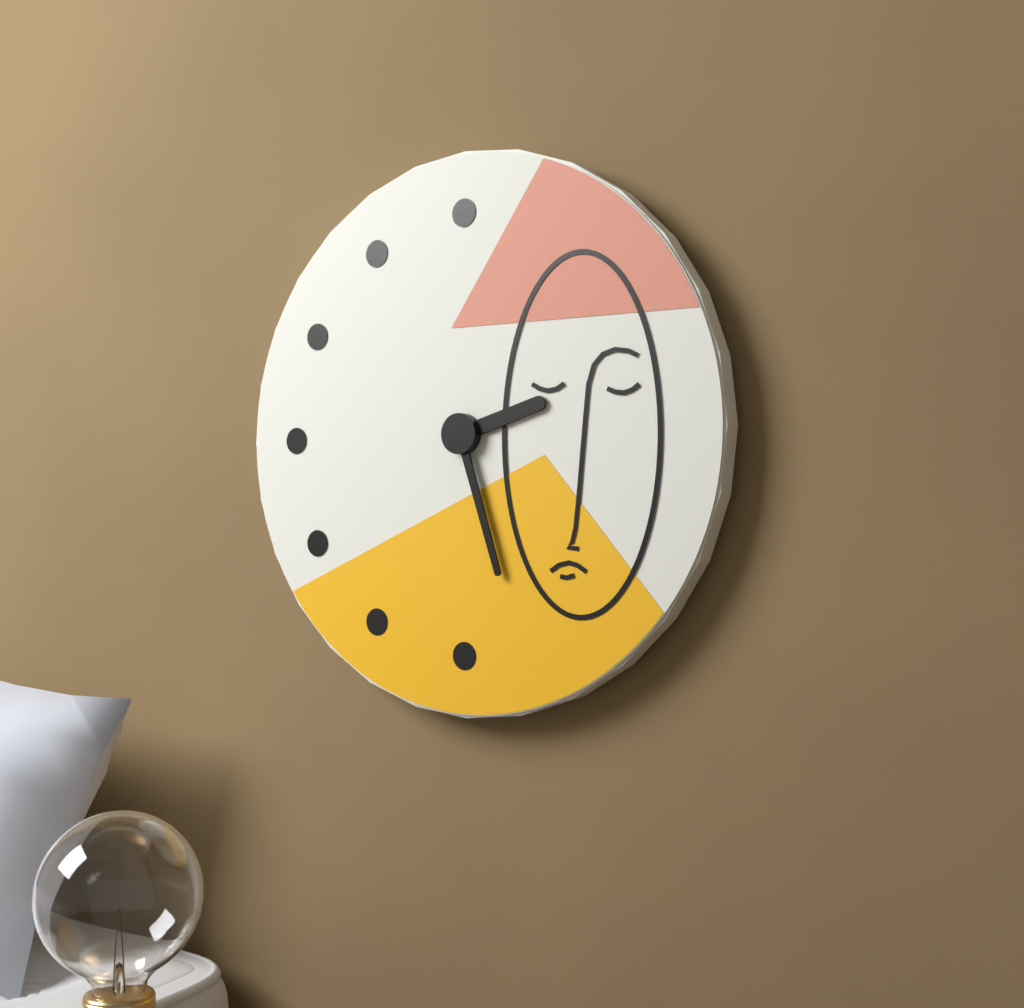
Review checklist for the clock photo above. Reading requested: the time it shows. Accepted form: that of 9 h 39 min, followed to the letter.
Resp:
2 h 27 min
